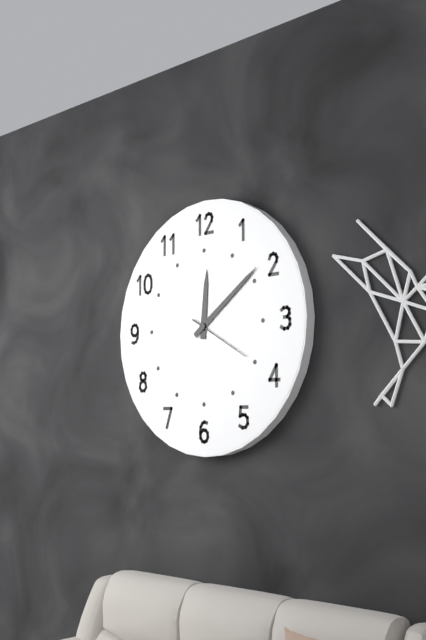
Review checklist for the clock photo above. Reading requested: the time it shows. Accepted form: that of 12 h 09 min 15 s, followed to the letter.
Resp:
12 h 09 min 20 s
